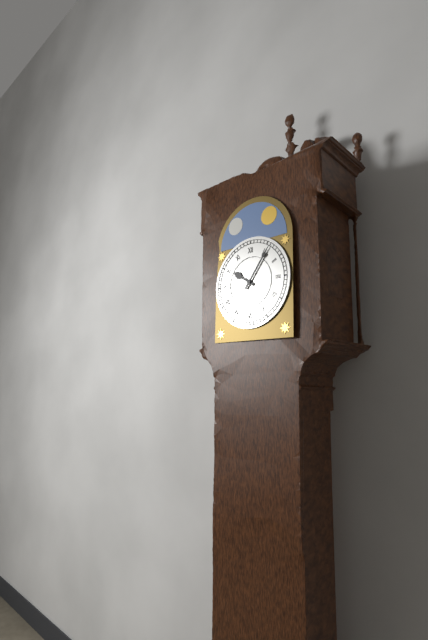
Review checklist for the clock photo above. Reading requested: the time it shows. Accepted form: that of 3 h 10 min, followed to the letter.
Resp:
10 h 06 min
